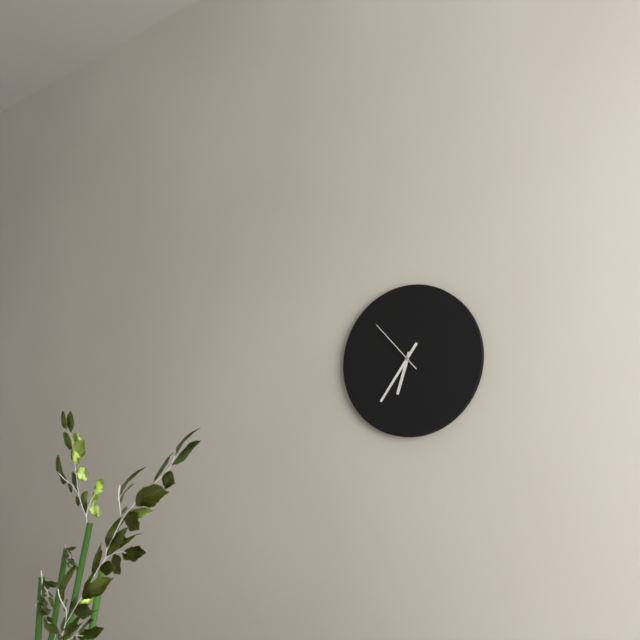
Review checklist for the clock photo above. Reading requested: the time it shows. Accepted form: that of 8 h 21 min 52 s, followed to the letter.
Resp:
6 h 36 min 53 s
